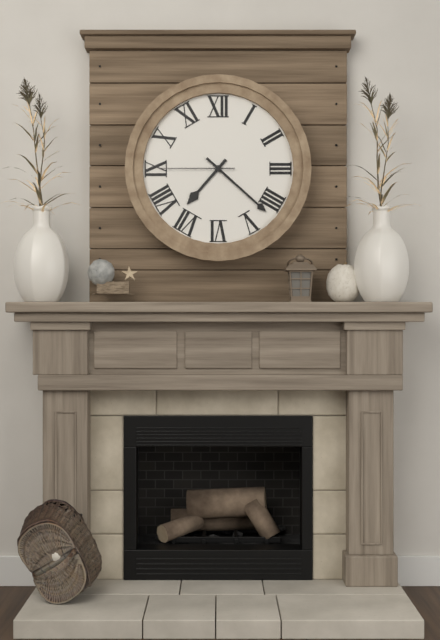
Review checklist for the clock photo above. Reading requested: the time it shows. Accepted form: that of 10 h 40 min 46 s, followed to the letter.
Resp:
7 h 22 min 45 s
